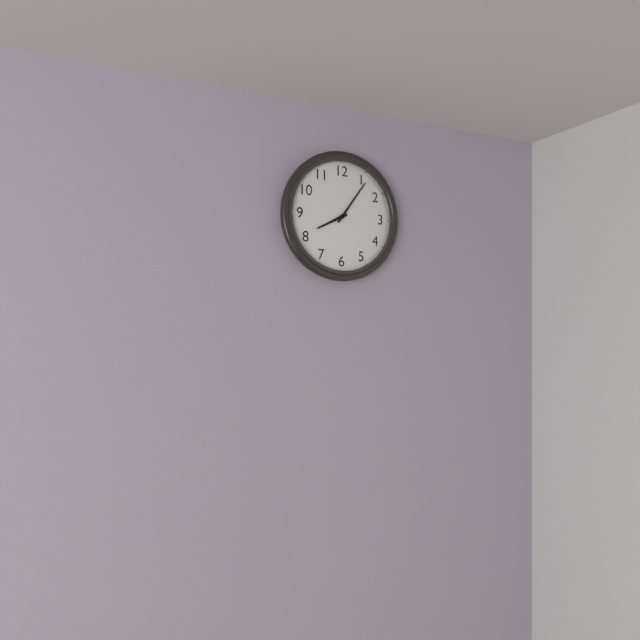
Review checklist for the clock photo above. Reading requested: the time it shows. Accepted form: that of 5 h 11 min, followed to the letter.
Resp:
8 h 06 min
